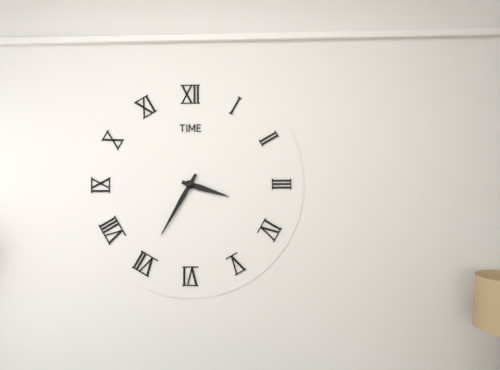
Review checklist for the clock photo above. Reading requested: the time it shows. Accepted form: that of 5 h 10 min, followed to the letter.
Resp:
3 h 35 min
